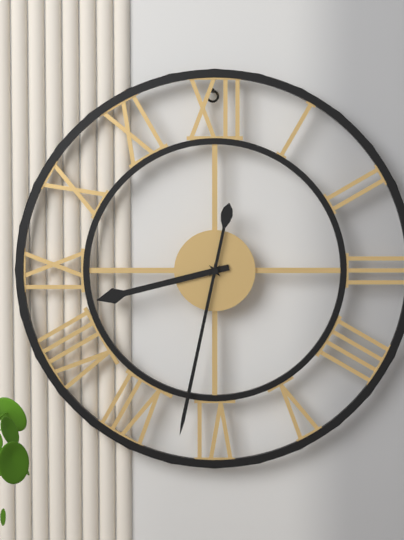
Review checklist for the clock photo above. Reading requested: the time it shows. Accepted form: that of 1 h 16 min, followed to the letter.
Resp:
8 h 32 min
